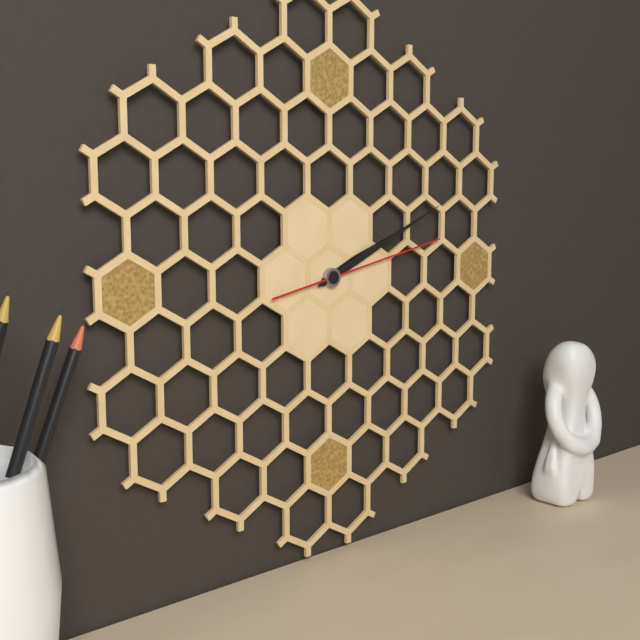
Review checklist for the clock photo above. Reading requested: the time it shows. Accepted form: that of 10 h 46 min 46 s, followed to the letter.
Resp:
2 h 11 min 13 s
